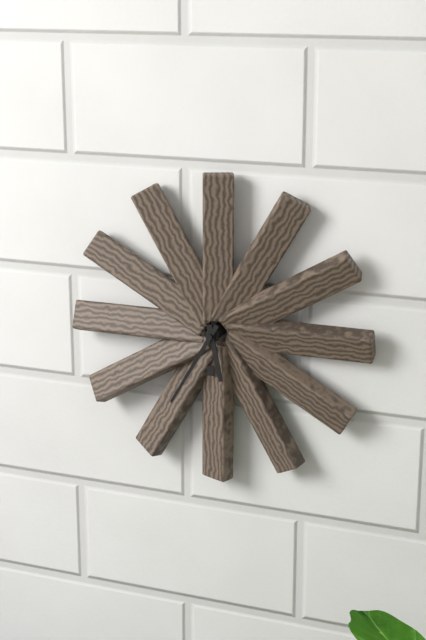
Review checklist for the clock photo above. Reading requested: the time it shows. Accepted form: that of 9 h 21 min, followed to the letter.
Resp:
5 h 35 min
